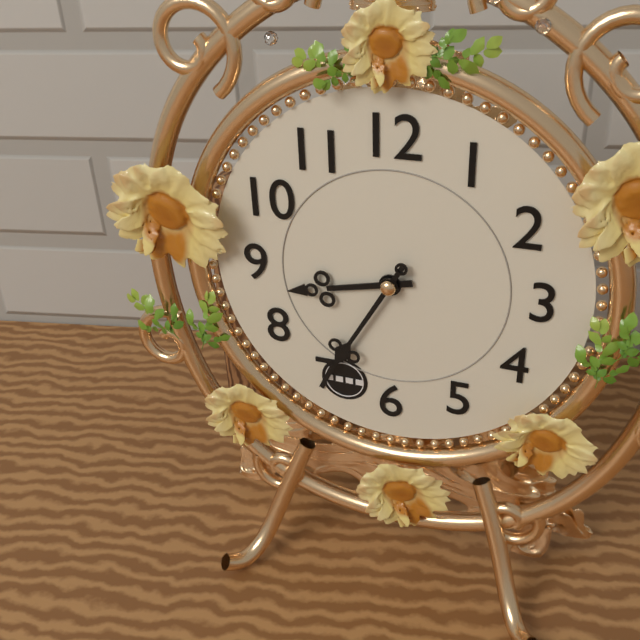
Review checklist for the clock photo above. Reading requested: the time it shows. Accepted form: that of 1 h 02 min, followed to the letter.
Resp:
8 h 35 min
